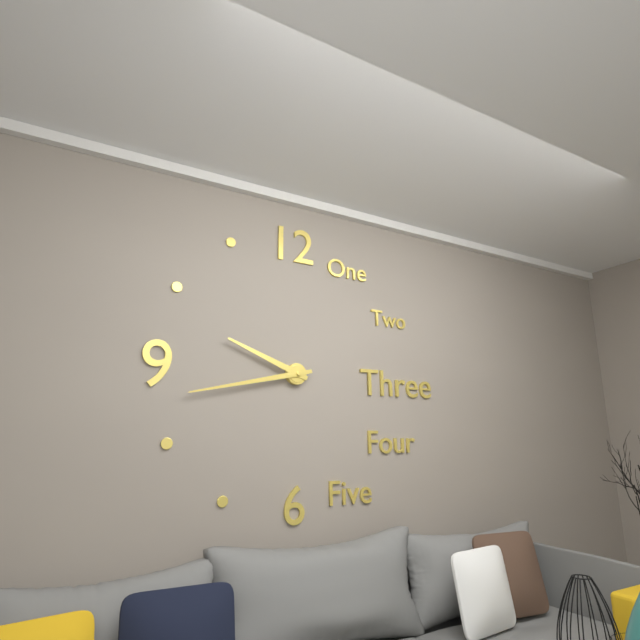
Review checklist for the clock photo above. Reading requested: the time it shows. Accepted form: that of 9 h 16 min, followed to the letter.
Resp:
9 h 43 min
